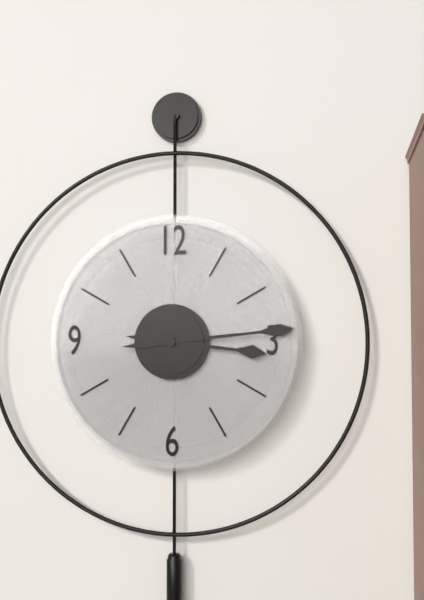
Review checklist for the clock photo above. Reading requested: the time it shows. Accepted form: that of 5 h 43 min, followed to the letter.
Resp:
3 h 14 min
